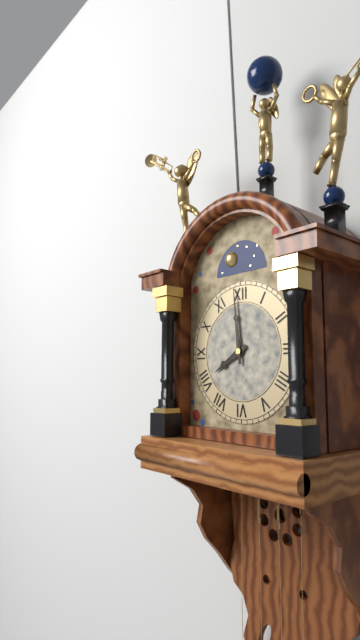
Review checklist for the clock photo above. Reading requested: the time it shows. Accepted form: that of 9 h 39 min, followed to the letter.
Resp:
7 h 59 min
